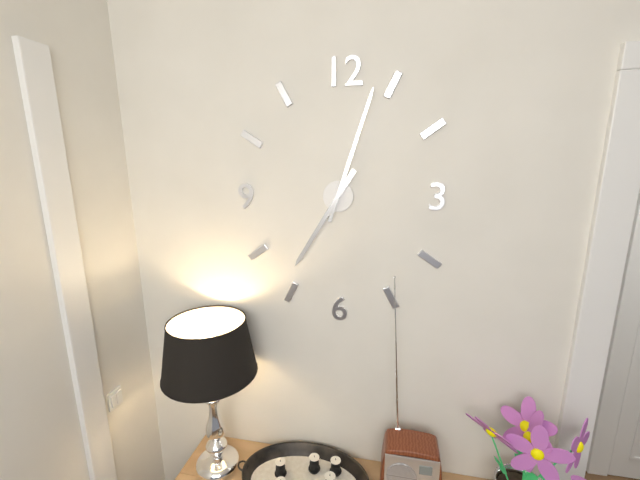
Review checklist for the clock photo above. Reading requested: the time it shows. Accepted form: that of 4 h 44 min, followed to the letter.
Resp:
7 h 03 min
